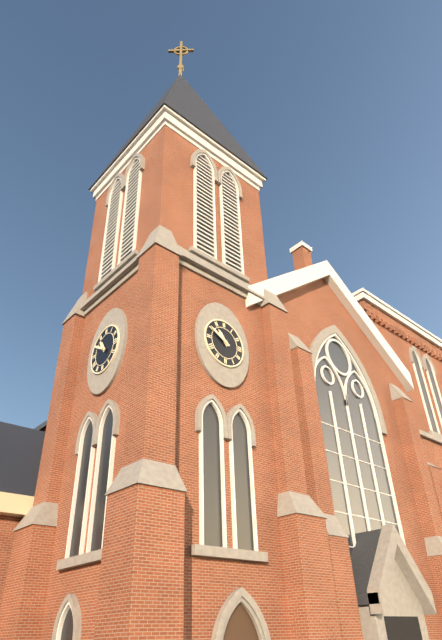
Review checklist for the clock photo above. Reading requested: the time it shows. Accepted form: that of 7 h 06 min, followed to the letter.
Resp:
10 h 50 min
